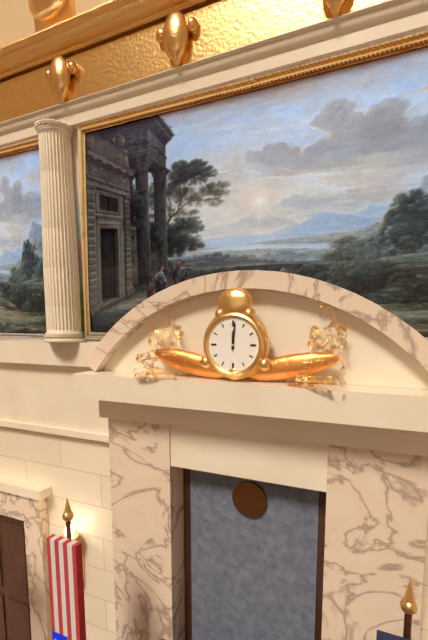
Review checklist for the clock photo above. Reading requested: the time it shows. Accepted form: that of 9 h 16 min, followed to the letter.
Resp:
12 h 01 min
